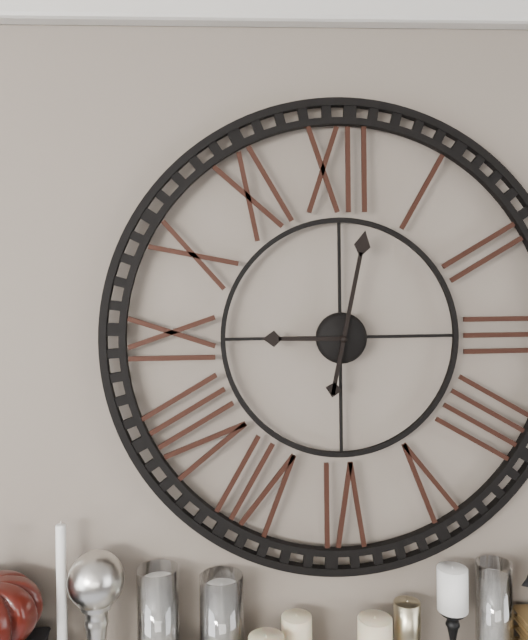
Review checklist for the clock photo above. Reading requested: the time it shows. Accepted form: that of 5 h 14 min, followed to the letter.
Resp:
9 h 02 min
